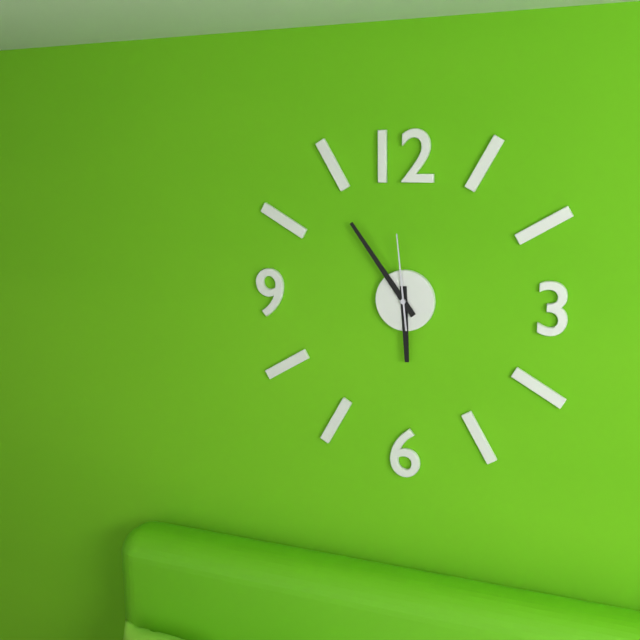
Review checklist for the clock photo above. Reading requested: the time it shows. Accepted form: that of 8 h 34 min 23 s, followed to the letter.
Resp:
5 h 54 min 59 s
